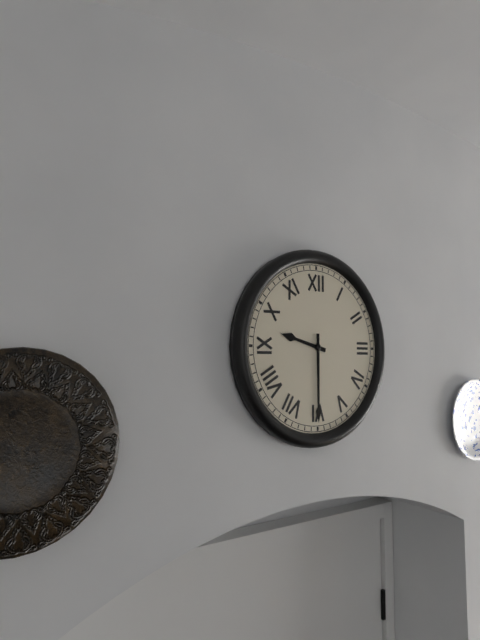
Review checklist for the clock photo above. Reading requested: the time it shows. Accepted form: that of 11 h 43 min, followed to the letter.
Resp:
9 h 30 min
